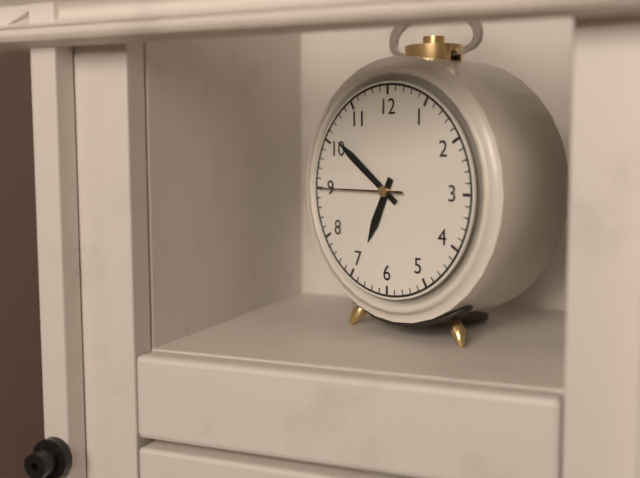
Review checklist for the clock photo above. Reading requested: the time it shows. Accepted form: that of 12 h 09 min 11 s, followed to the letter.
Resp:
6 h 51 min 45 s
